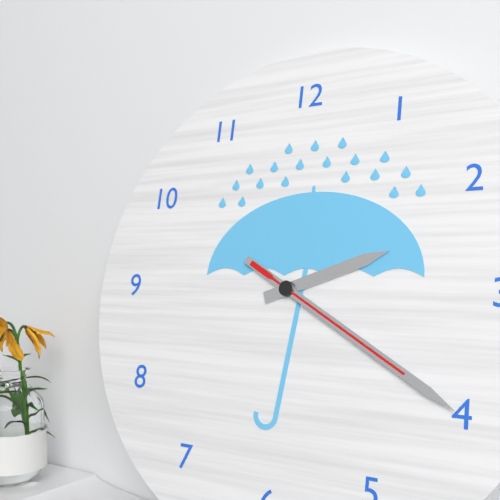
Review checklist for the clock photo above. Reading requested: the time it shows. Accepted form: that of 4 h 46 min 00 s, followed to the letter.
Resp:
2 h 20 min 20 s
